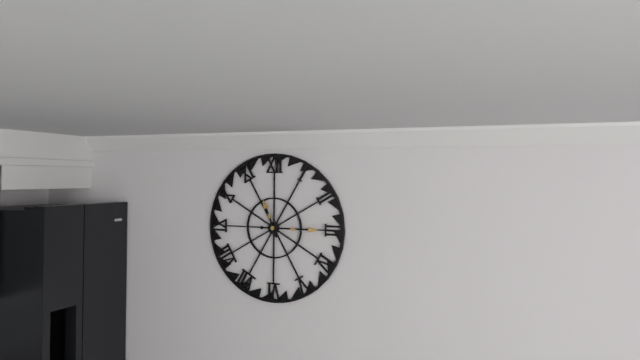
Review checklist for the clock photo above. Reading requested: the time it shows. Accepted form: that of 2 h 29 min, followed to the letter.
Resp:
11 h 15 min
